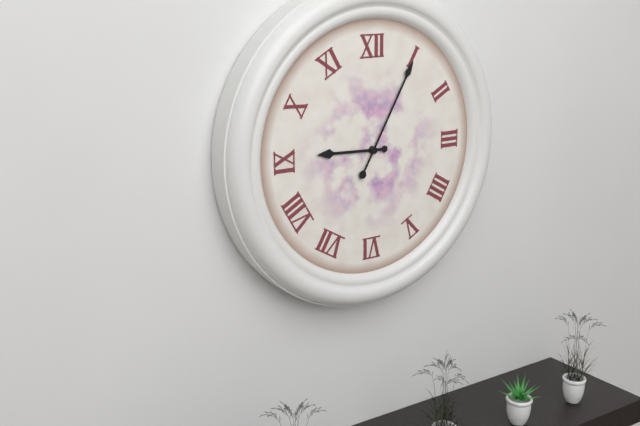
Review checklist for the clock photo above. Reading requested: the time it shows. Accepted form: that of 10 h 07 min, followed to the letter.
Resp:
9 h 05 min
